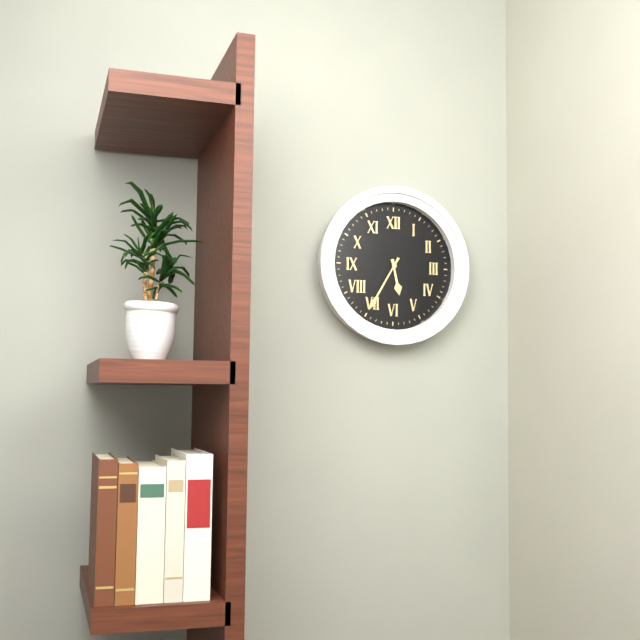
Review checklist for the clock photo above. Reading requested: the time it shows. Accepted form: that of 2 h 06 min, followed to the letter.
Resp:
5 h 35 min
